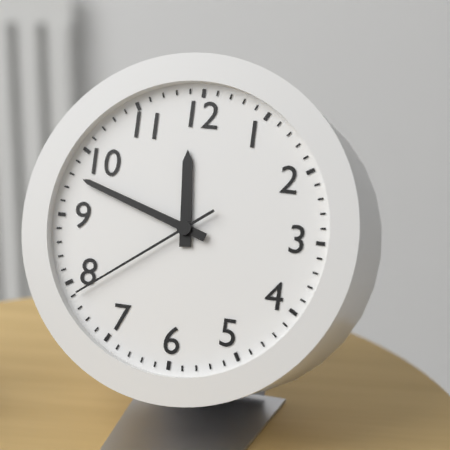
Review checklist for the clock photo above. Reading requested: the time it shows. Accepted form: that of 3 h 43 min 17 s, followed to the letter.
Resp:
11 h 48 min 39 s
